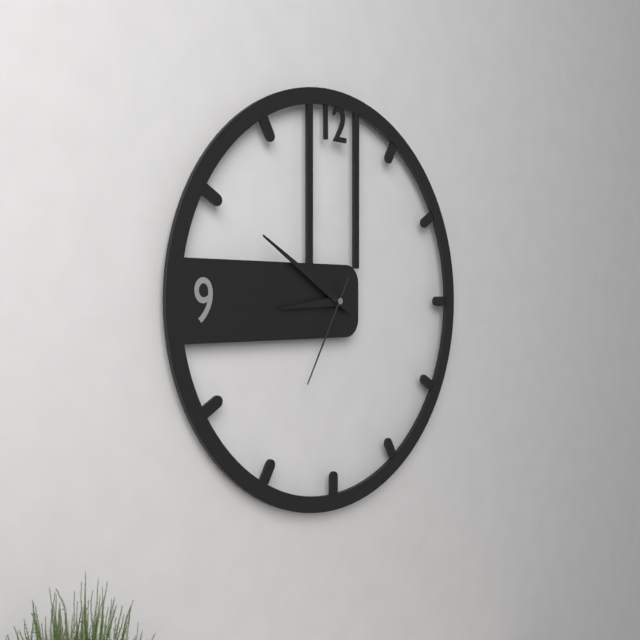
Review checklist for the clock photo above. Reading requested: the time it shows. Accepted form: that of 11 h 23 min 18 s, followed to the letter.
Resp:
8 h 50 min 35 s
